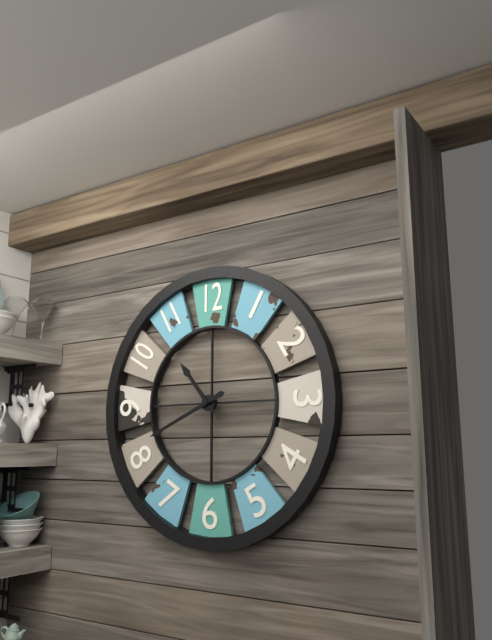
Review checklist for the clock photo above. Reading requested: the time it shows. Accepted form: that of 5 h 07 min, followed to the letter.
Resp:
10 h 41 min
